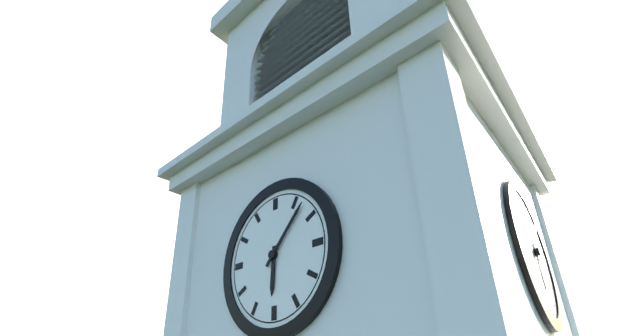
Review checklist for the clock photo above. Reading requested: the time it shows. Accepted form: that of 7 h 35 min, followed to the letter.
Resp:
6 h 07 min
